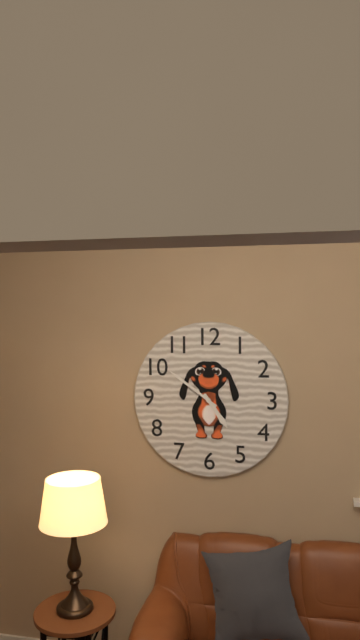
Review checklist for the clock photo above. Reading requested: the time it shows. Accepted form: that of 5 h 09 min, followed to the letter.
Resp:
4 h 51 min
